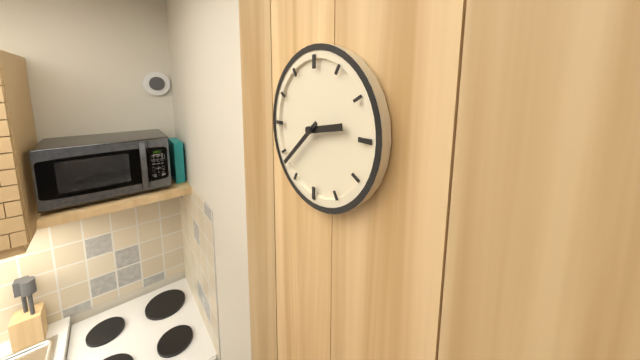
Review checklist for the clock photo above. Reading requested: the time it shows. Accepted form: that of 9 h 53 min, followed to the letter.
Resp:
2 h 38 min
